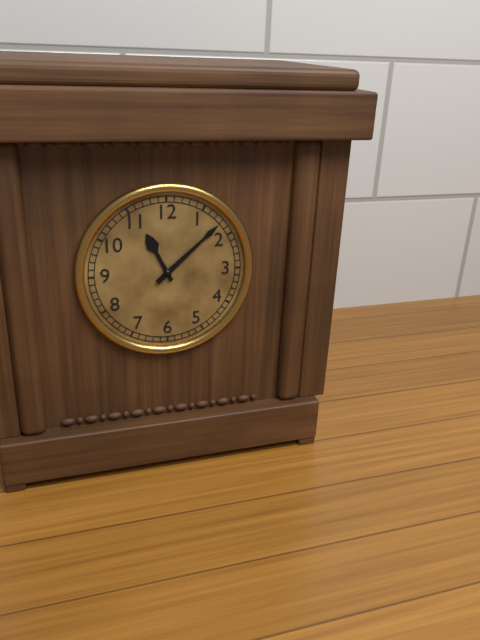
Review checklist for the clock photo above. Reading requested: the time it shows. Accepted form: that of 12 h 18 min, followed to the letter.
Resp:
11 h 08 min
